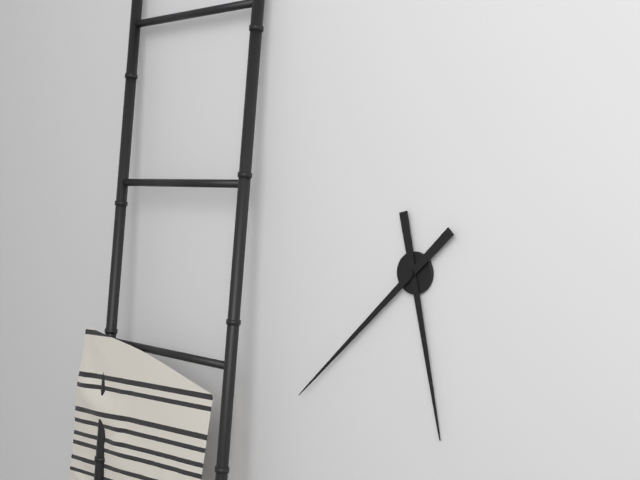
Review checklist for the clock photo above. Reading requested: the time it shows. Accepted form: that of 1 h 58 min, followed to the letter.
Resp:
5 h 38 min
